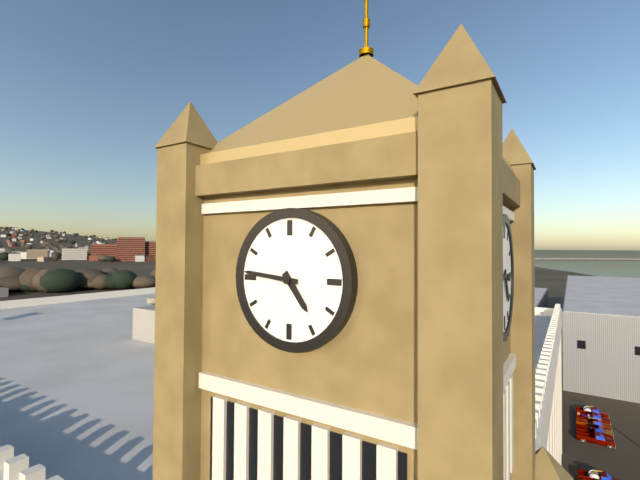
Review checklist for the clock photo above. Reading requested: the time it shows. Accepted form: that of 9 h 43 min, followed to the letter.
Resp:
4 h 46 min
